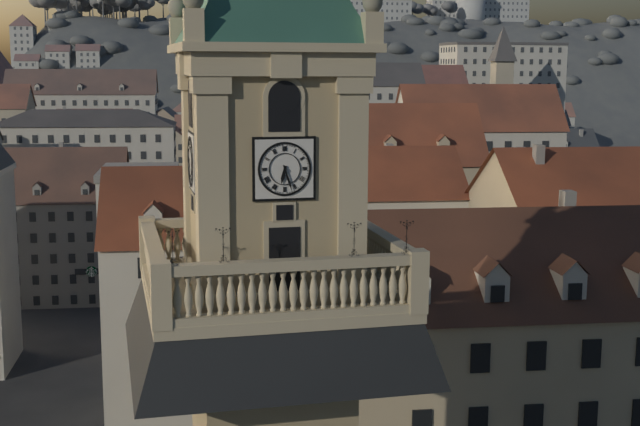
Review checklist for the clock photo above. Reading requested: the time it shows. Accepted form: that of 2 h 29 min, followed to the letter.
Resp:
6 h 27 min
